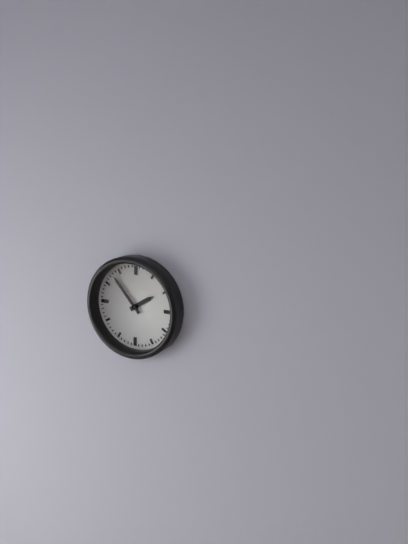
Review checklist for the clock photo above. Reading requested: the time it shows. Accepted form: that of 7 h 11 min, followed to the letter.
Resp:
1 h 53 min
